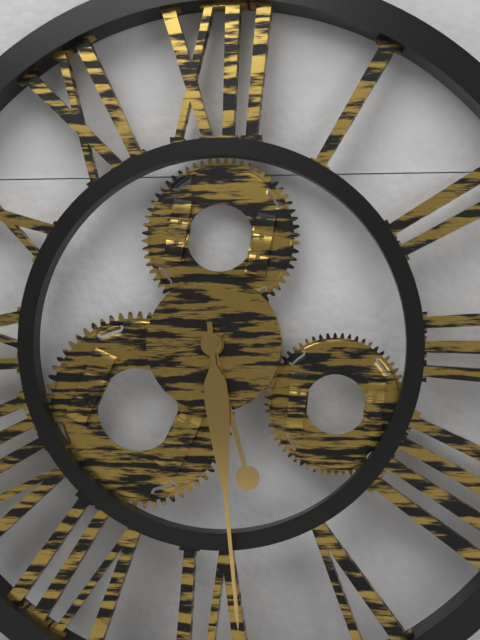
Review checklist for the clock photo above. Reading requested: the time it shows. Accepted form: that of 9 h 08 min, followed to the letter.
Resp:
5 h 29 min
